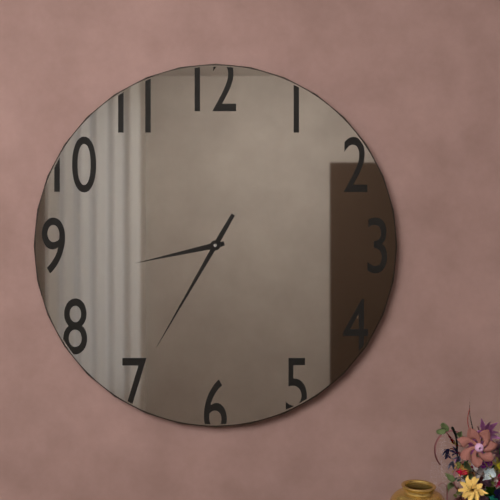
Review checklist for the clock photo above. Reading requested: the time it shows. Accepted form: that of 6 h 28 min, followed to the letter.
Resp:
8 h 35 min
